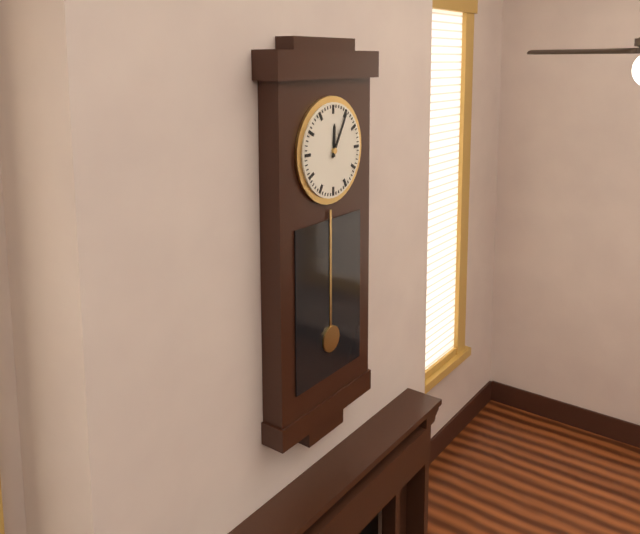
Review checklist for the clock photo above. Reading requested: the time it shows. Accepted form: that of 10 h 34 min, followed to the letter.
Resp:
12 h 05 min
